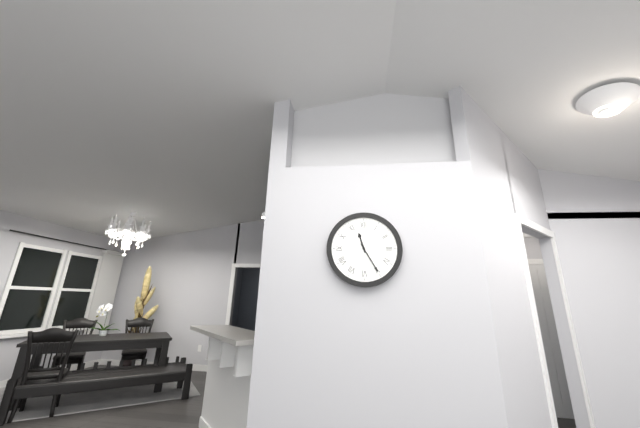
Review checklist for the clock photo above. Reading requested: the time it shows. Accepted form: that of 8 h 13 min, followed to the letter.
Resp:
11 h 25 min
